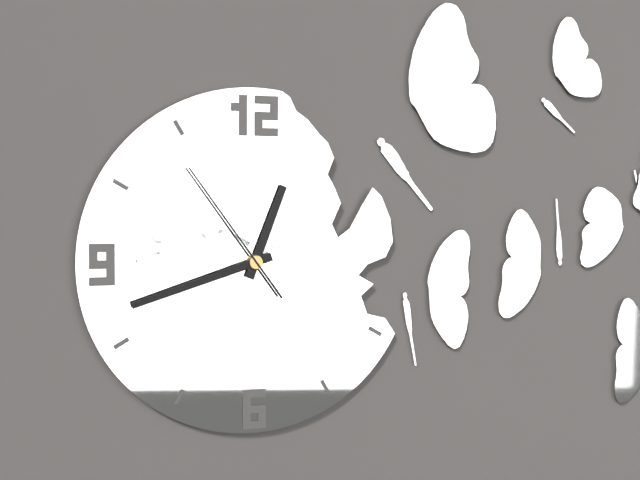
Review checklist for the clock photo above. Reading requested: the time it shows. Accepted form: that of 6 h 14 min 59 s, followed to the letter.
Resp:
12 h 42 min 54 s
